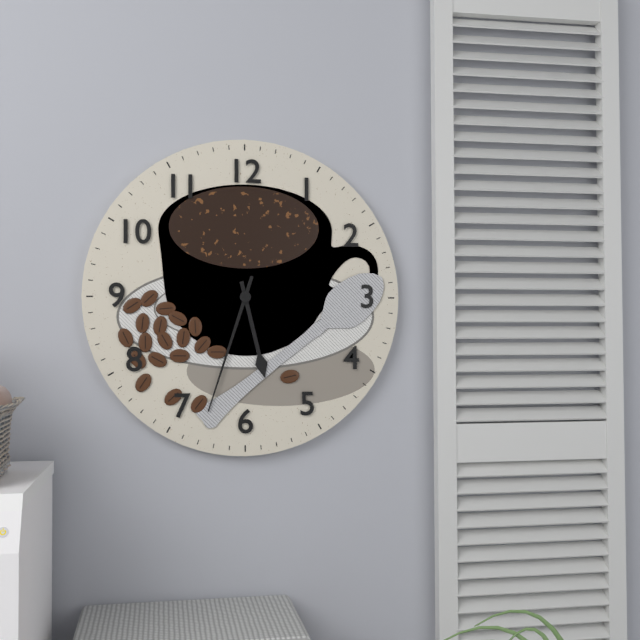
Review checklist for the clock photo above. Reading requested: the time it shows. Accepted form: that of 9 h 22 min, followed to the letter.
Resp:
5 h 33 min
